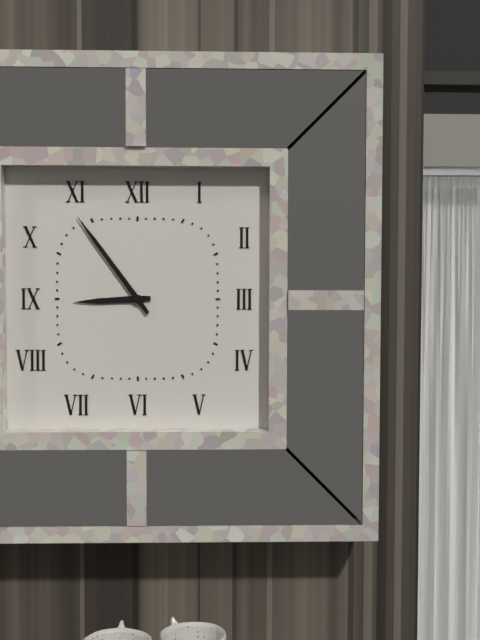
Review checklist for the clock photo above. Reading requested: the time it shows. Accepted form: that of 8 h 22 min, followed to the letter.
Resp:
8 h 54 min
